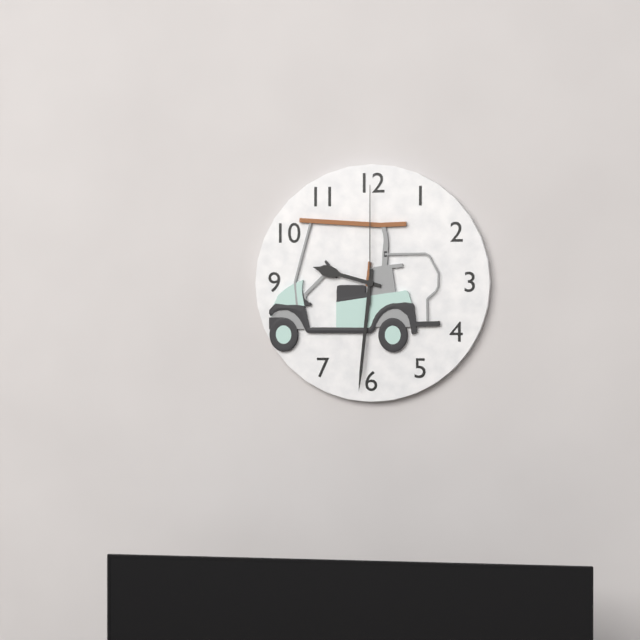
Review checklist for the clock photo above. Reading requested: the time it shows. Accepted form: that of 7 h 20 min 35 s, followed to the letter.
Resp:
9 h 31 min 00 s
